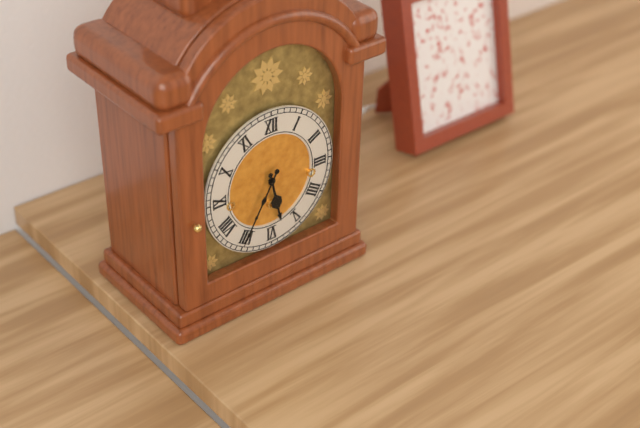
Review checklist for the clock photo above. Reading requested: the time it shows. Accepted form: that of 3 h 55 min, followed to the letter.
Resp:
5 h 35 min
